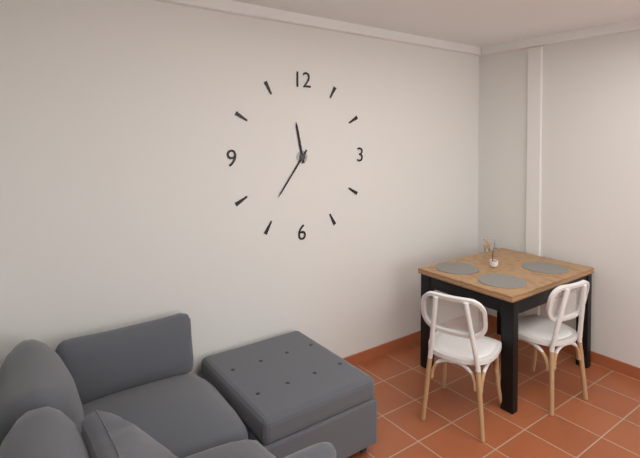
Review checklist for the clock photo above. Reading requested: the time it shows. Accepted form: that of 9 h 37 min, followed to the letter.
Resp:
11 h 36 min
